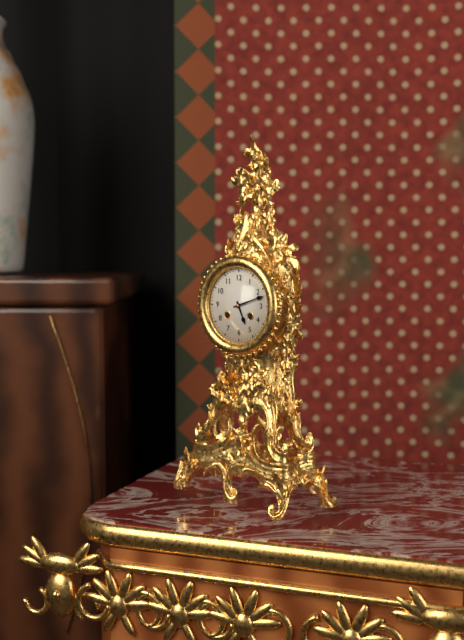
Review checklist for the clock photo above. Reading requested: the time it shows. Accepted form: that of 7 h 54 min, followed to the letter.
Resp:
5 h 12 min
